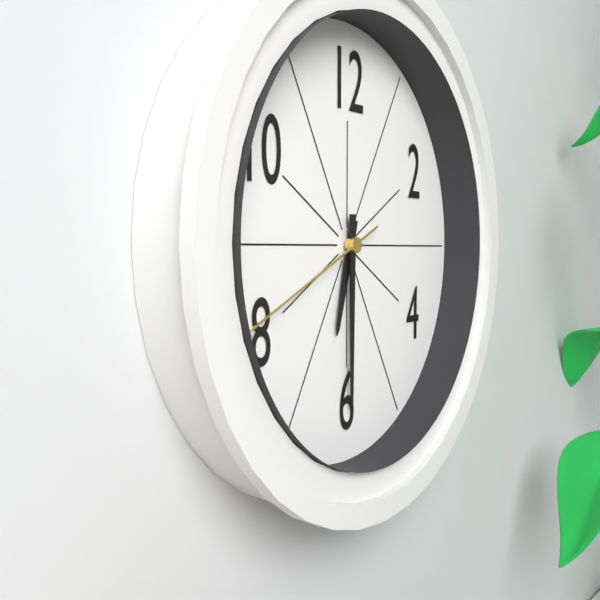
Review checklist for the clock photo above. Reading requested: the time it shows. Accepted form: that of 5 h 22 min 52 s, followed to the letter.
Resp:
6 h 30 min 41 s
